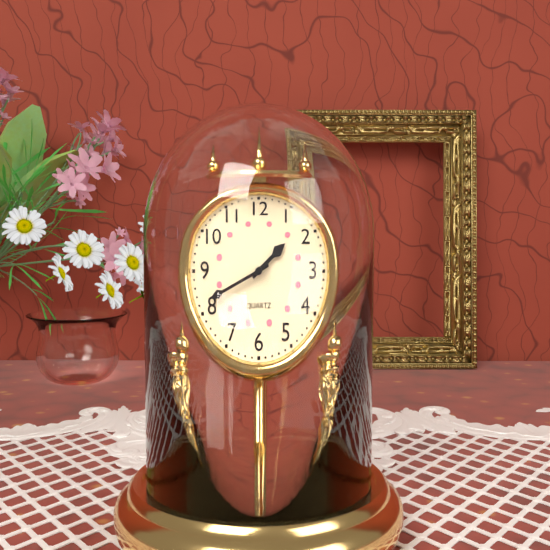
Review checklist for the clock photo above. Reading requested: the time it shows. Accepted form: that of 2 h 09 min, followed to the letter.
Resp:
1 h 41 min
